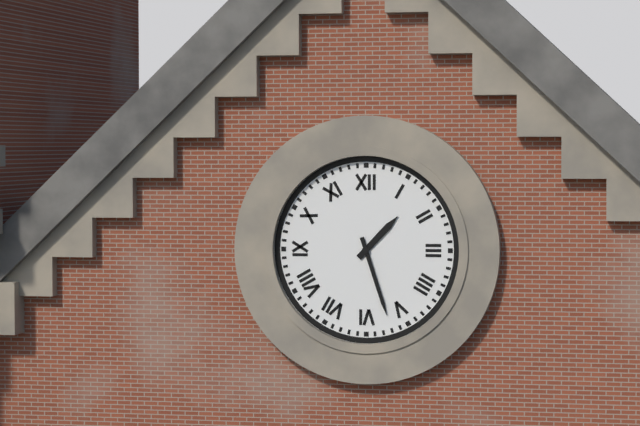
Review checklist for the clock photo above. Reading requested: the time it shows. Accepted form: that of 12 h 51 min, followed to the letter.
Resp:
1 h 27 min
